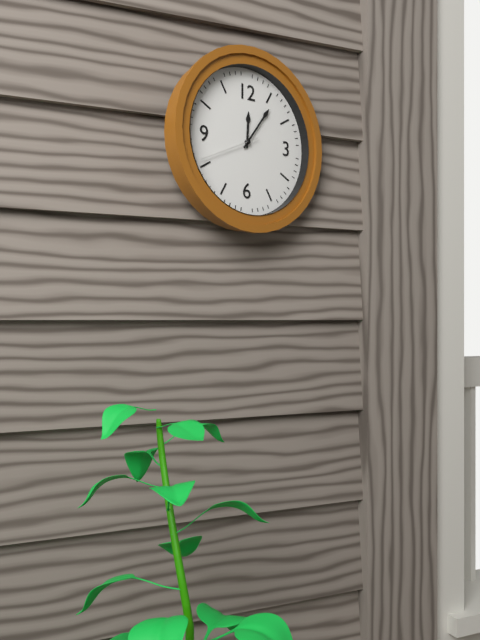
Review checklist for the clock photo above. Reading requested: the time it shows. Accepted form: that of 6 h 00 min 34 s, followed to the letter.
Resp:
12 h 06 min 41 s
